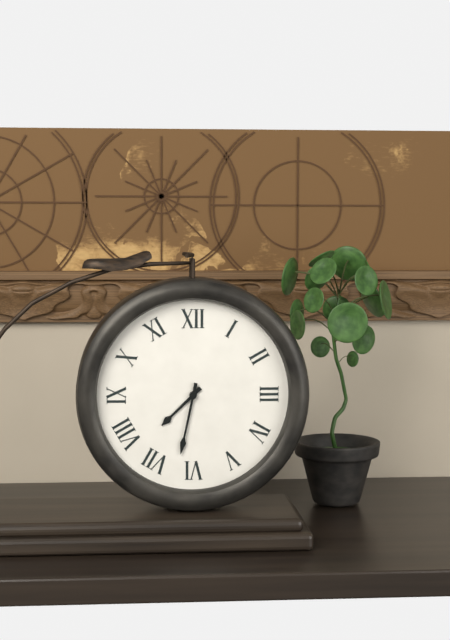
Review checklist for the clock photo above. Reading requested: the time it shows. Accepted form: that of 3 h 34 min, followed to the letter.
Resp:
7 h 32 min
